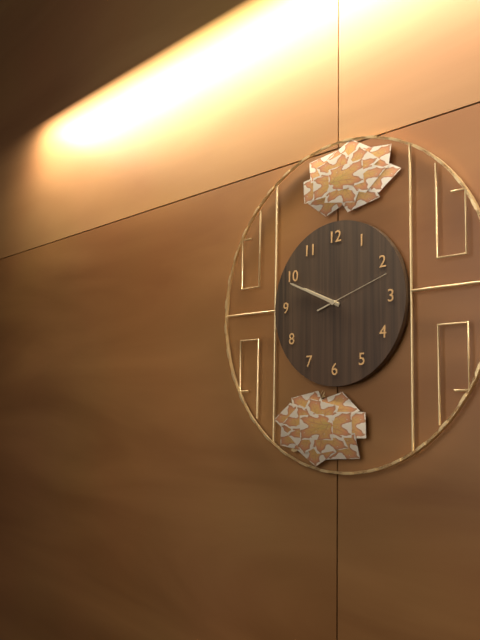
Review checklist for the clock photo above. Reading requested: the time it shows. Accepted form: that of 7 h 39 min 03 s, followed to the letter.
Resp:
9 h 49 min 12 s
